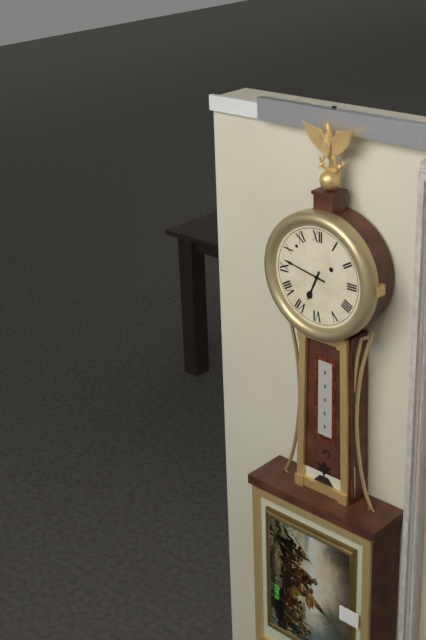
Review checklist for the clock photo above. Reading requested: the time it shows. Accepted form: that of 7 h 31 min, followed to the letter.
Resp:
6 h 47 min
